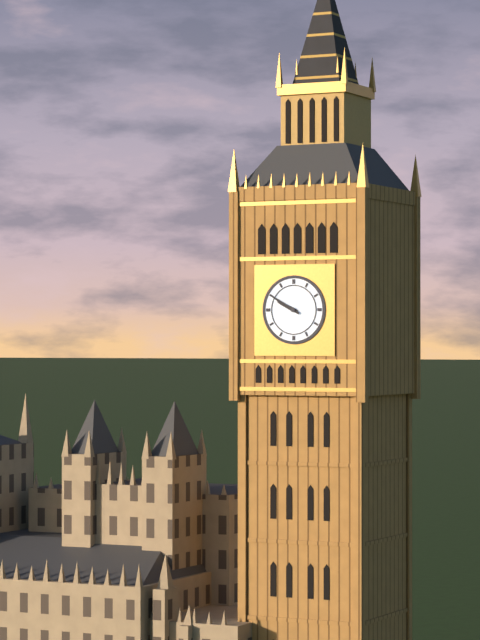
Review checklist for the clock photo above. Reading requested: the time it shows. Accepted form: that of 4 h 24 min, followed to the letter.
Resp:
9 h 50 min
